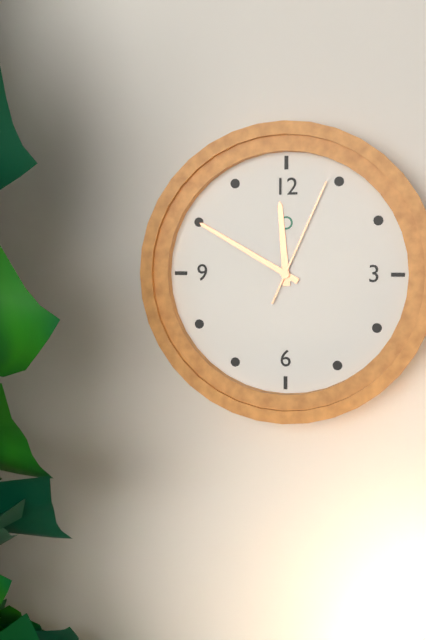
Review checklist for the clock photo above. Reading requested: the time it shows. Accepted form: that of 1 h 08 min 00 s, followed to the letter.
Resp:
11 h 50 min 04 s
